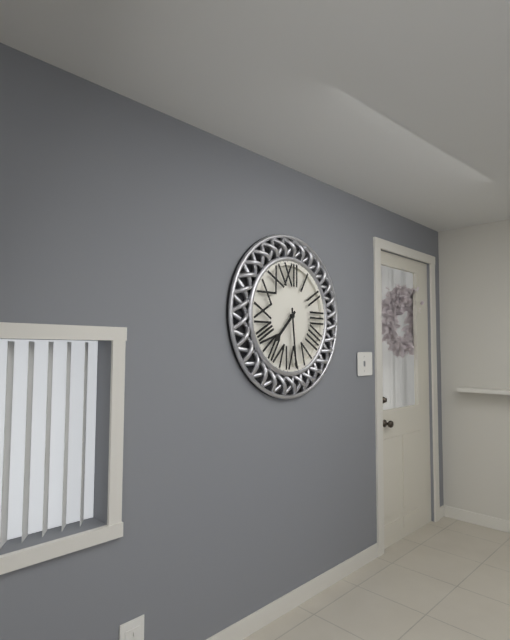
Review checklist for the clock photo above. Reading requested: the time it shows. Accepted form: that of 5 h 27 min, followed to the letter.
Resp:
7 h 29 min
